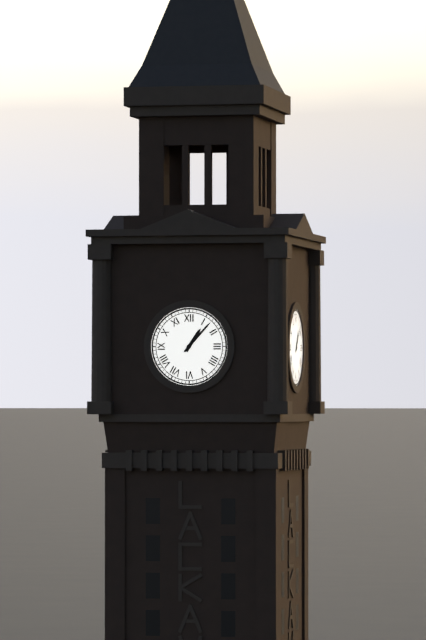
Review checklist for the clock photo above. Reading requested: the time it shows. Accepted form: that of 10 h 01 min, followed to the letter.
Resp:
1 h 07 min
